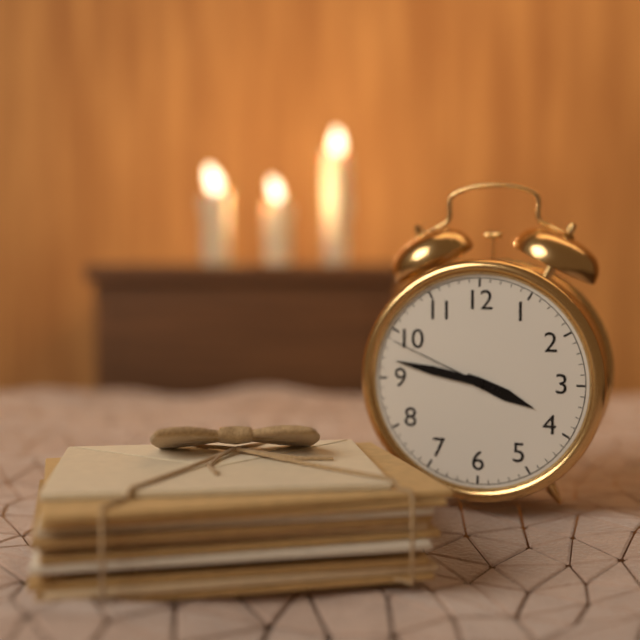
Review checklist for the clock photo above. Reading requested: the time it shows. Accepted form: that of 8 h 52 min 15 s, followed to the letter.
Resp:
3 h 47 min 49 s
